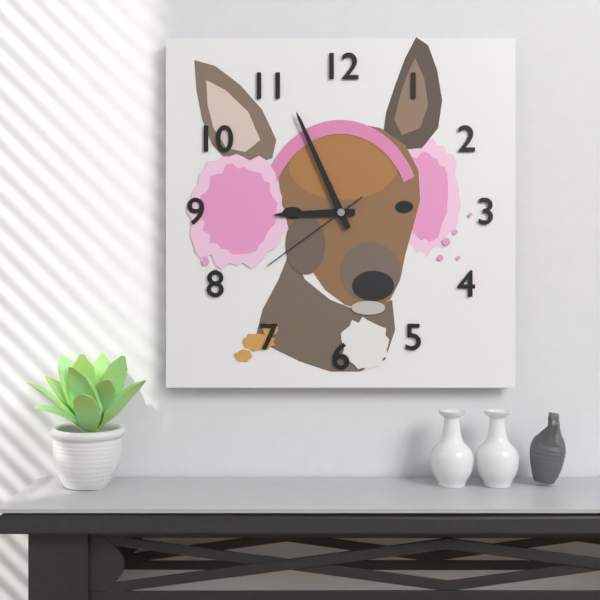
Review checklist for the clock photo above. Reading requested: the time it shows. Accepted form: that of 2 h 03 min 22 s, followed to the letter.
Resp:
8 h 56 min 39 s
